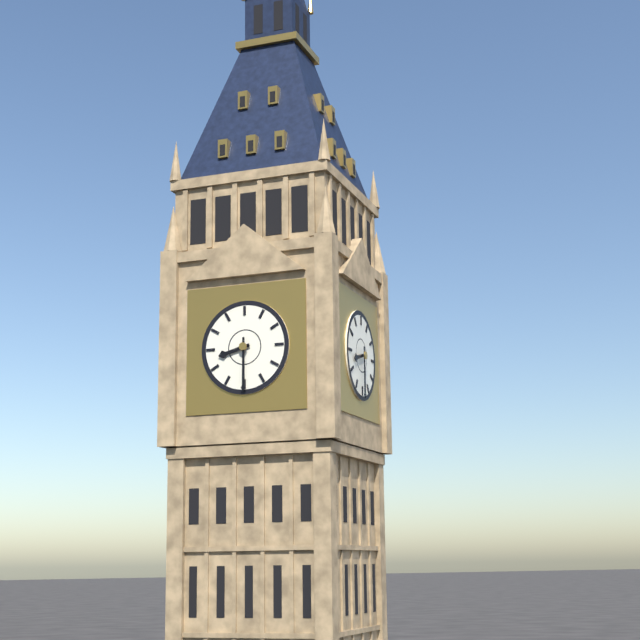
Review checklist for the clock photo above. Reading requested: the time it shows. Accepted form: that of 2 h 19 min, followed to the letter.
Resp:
8 h 30 min
